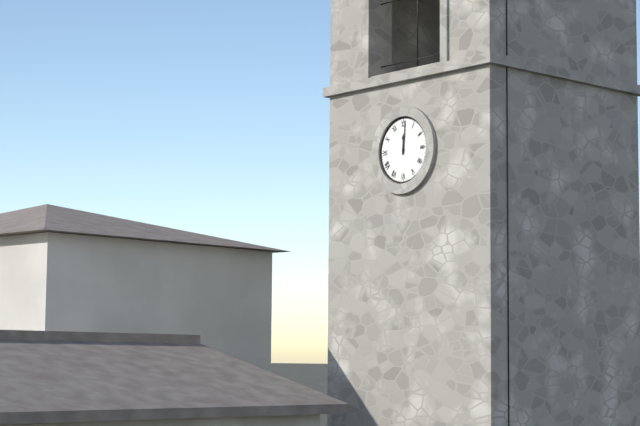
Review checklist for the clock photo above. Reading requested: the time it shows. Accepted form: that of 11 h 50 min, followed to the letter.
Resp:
12 h 01 min
